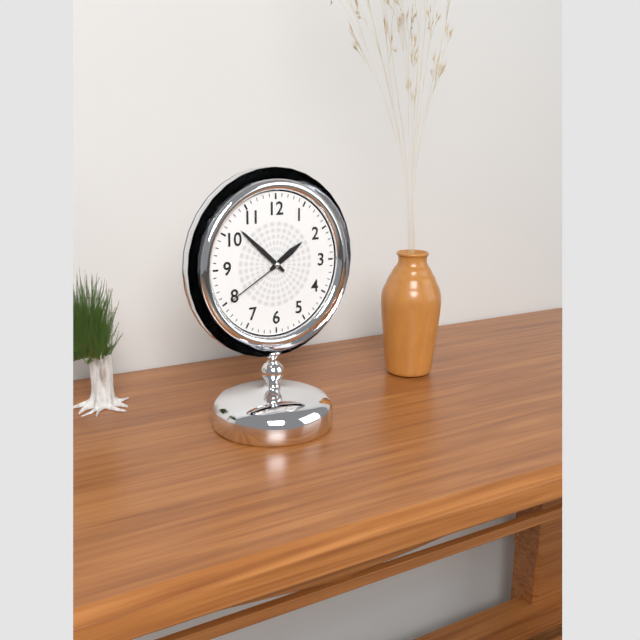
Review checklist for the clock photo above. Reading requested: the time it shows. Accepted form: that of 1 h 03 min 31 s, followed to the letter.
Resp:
1 h 52 min 40 s
